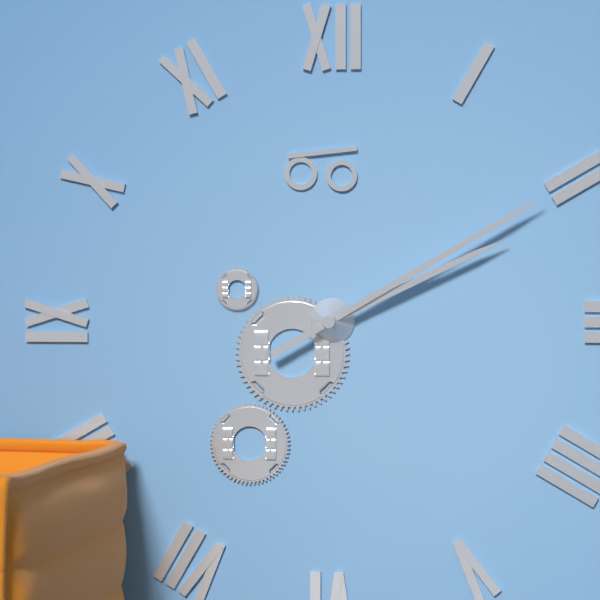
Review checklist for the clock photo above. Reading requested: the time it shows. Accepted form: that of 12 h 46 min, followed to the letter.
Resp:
2 h 10 min
